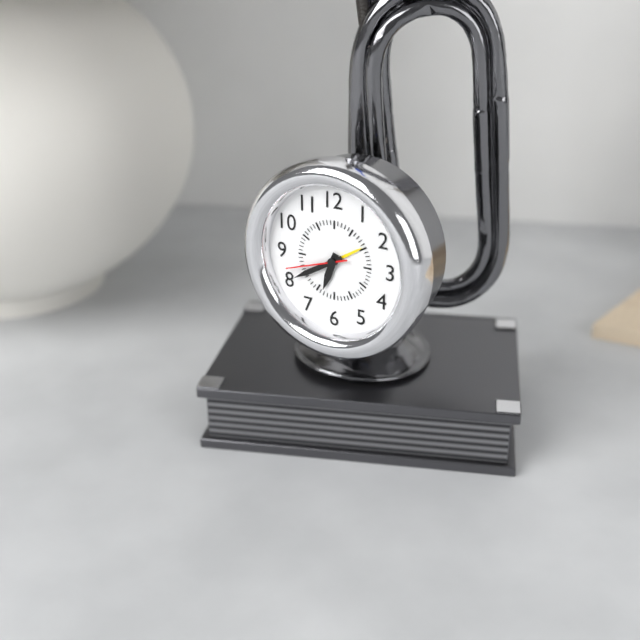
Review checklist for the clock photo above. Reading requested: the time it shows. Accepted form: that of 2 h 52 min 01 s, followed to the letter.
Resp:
6 h 40 min 42 s
